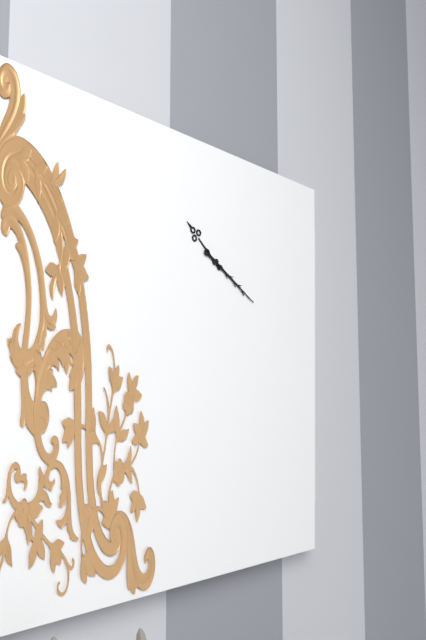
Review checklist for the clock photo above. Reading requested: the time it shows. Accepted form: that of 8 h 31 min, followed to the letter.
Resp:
10 h 20 min
